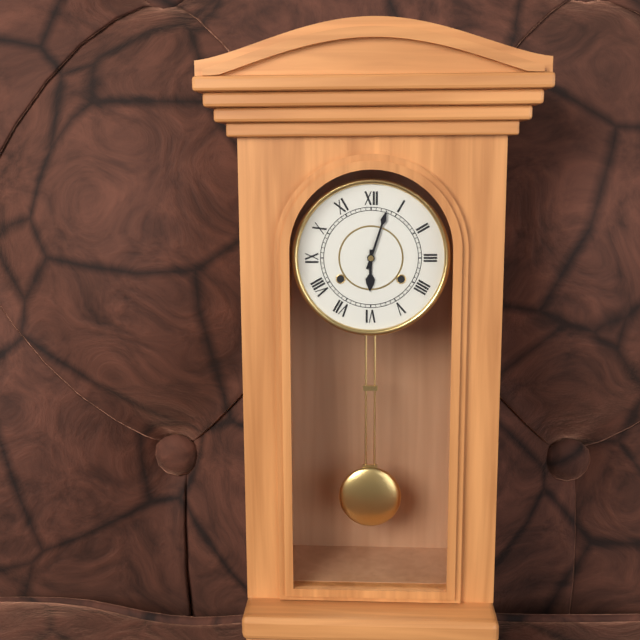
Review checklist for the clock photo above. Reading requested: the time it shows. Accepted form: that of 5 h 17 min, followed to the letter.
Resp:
6 h 03 min
